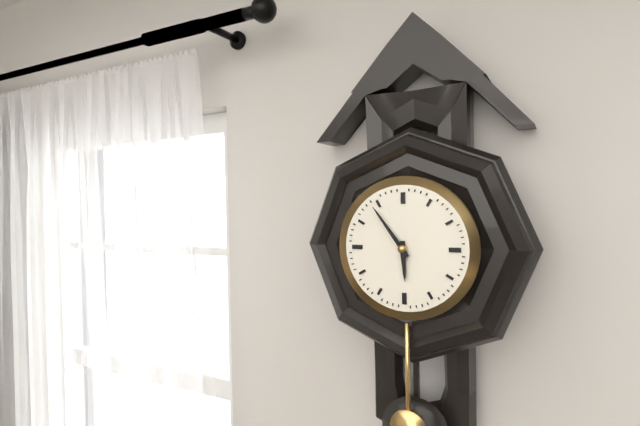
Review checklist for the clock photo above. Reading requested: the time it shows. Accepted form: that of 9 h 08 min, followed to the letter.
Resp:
5 h 54 min
